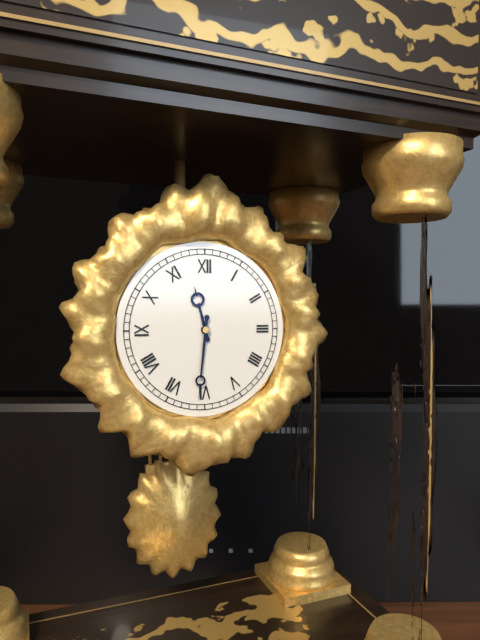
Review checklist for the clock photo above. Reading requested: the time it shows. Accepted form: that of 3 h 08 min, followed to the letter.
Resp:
11 h 31 min
